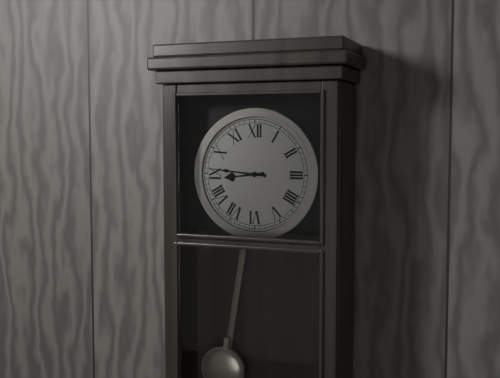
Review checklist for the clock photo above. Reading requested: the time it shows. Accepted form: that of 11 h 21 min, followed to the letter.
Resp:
8 h 46 min
